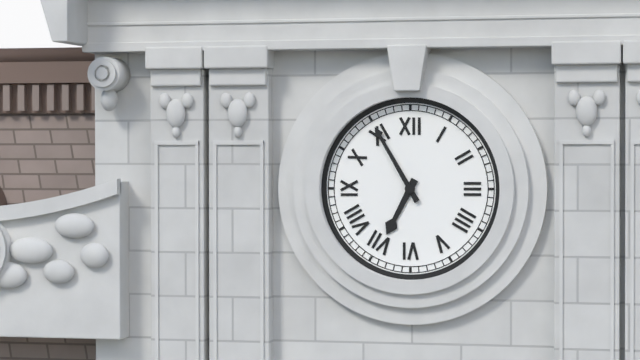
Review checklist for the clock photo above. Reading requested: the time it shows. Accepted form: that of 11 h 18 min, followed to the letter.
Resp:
6 h 55 min
